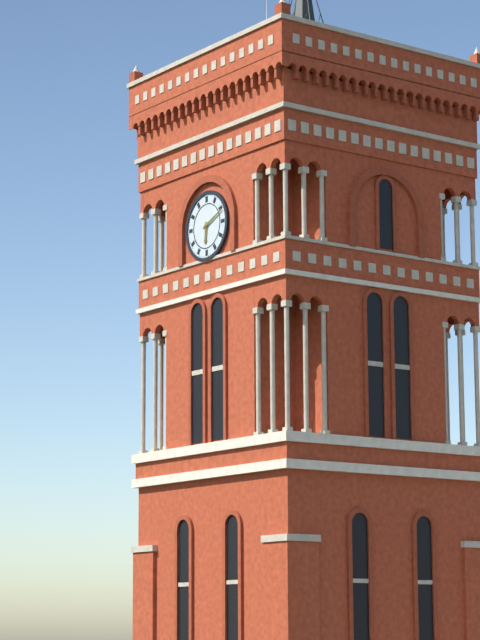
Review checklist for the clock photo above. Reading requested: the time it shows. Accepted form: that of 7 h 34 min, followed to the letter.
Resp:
6 h 11 min
